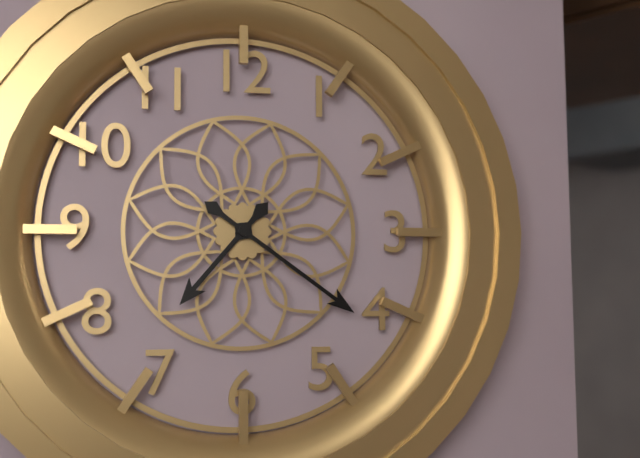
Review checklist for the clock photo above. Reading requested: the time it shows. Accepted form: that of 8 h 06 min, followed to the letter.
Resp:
7 h 21 min
